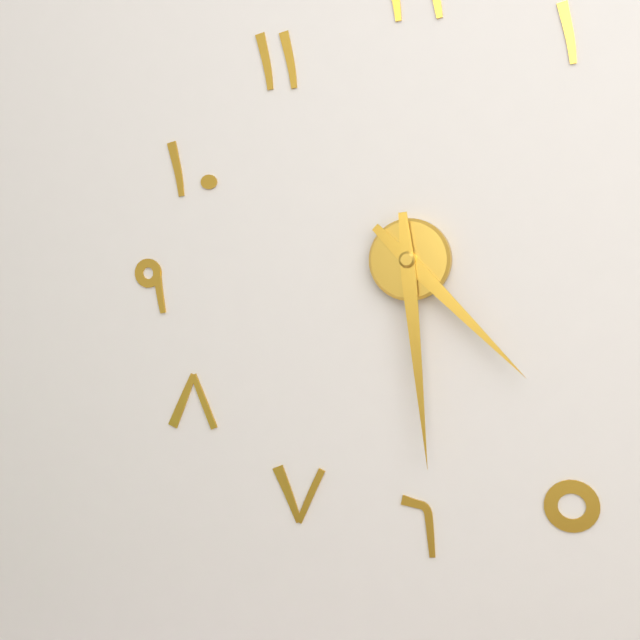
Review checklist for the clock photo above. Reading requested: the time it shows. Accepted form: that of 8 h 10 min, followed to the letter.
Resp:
4 h 29 min
